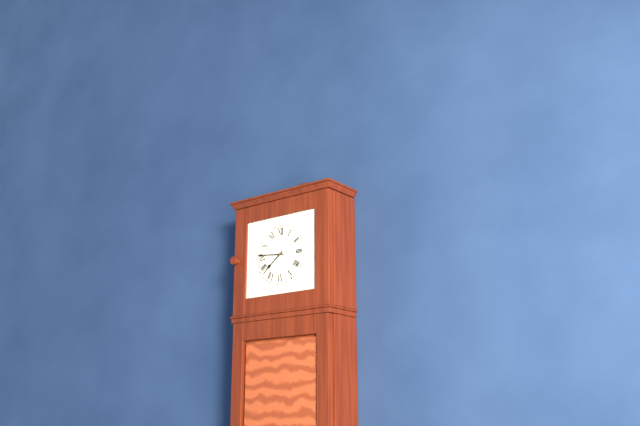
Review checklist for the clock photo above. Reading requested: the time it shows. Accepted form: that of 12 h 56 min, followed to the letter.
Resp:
7 h 46 min
